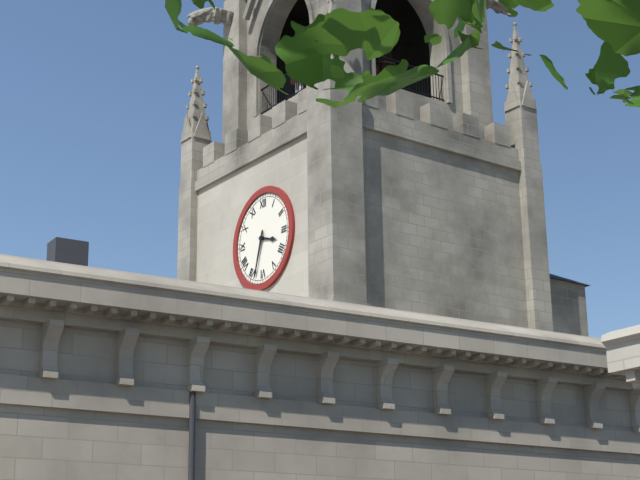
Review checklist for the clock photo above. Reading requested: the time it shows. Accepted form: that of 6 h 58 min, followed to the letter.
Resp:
3 h 33 min
